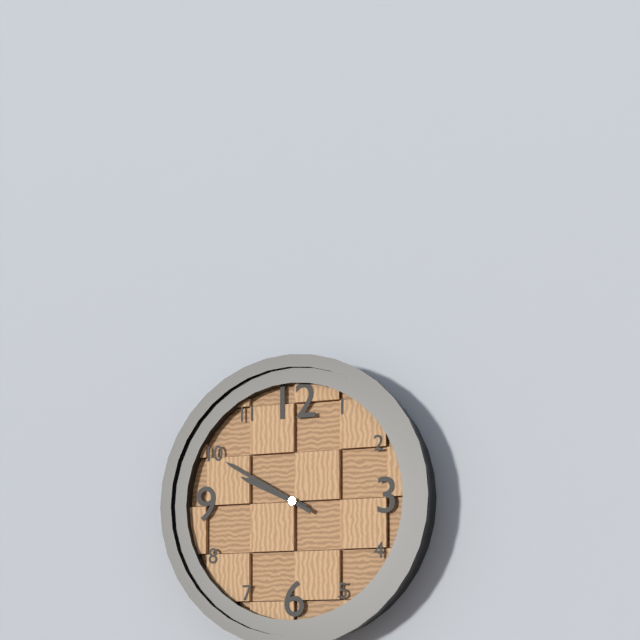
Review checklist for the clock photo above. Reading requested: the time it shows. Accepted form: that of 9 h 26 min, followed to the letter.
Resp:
9 h 50 min
